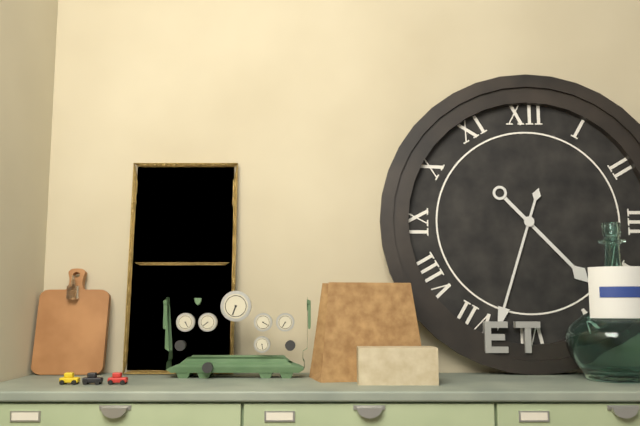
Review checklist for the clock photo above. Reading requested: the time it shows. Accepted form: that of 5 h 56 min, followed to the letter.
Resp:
4 h 33 min
